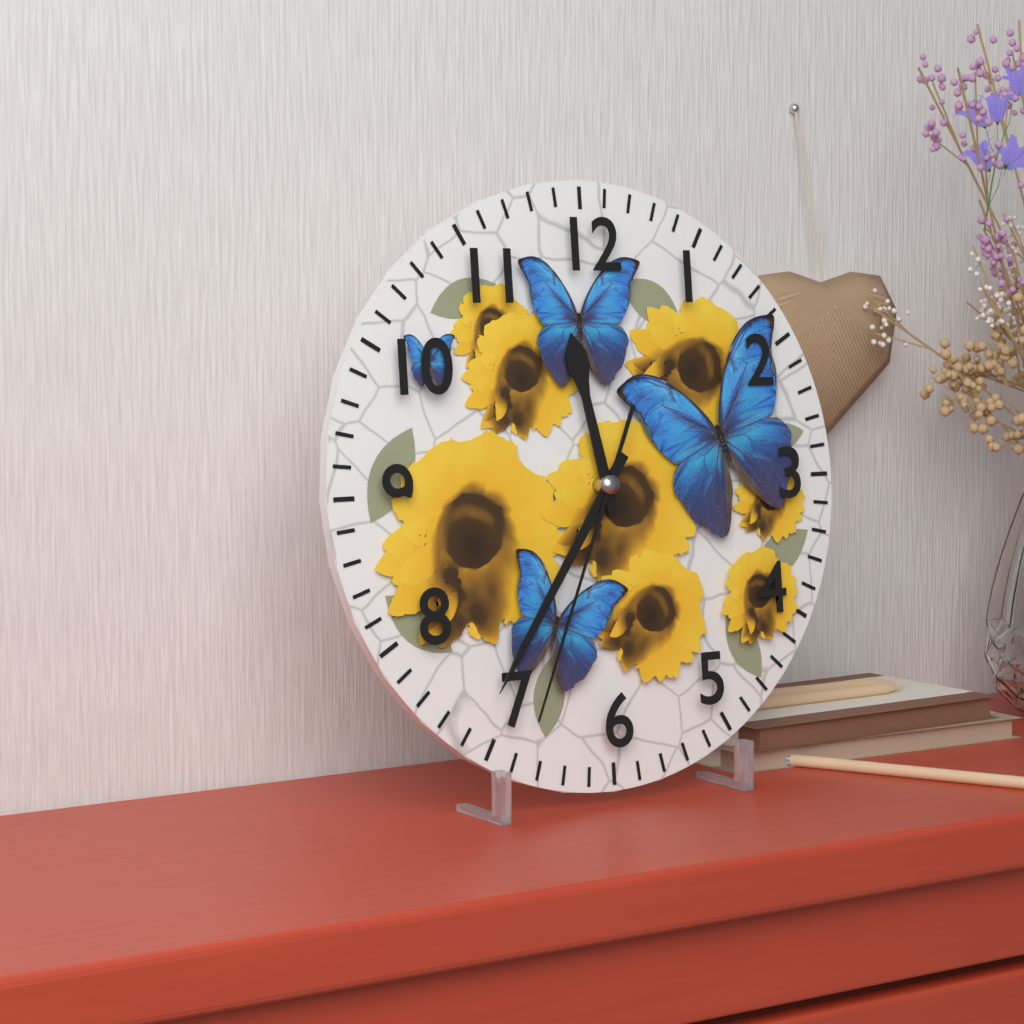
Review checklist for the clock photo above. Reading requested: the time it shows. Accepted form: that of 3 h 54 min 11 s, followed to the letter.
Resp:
11 h 36 min 34 s
